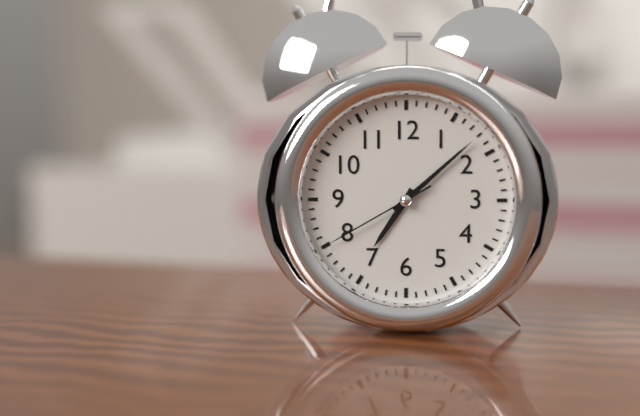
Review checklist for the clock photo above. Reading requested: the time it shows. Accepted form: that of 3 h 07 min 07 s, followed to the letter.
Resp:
7 h 08 min 40 s
